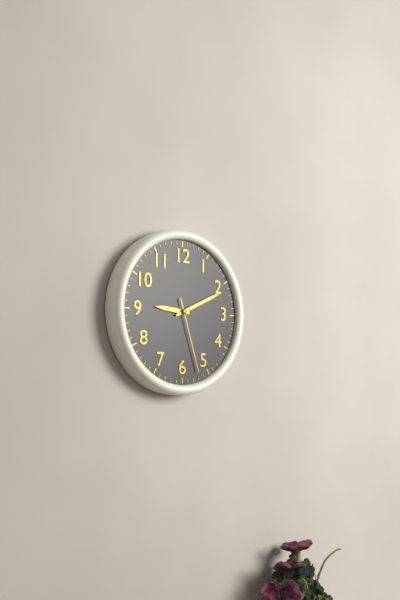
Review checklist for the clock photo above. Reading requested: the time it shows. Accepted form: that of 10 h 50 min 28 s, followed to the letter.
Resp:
9 h 11 min 27 s
